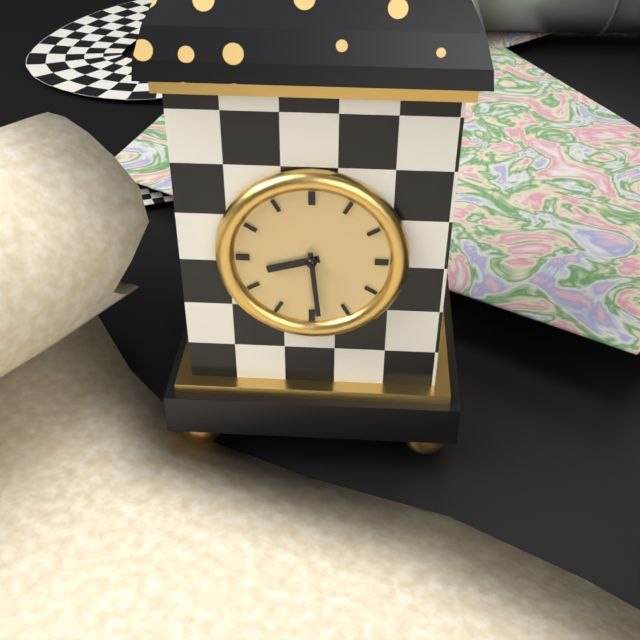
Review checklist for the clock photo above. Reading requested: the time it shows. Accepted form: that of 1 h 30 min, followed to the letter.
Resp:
8 h 29 min
